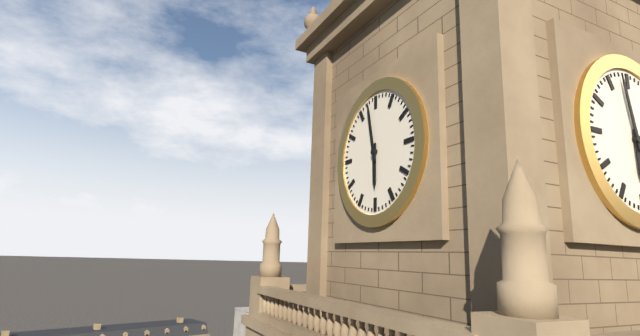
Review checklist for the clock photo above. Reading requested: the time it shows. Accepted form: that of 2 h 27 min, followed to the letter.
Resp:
5 h 58 min
